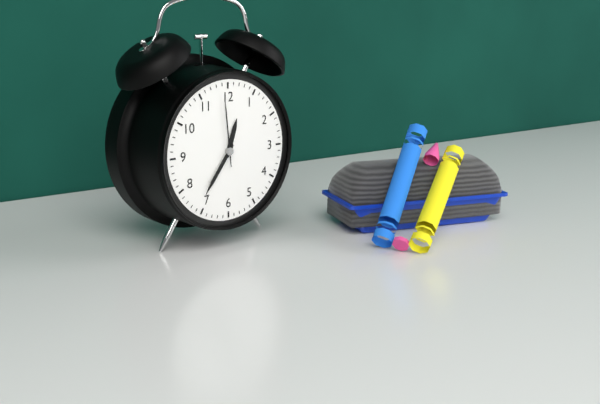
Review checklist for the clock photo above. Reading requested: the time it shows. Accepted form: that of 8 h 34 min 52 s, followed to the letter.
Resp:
12 h 36 min 59 s
